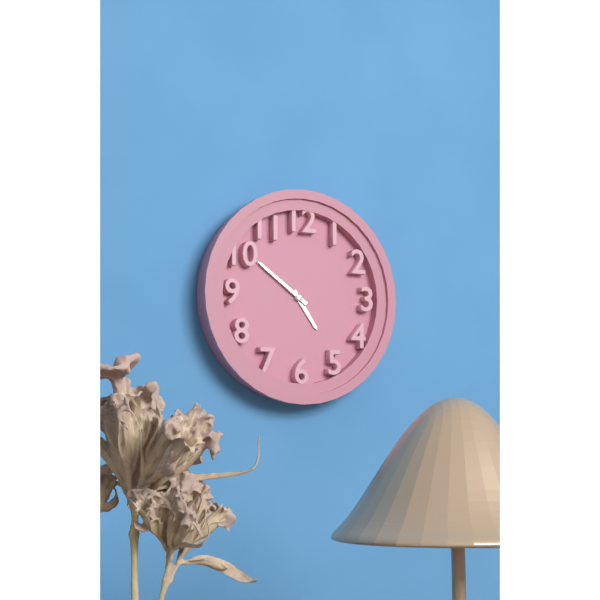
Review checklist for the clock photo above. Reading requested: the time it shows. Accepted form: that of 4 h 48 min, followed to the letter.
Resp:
4 h 51 min
